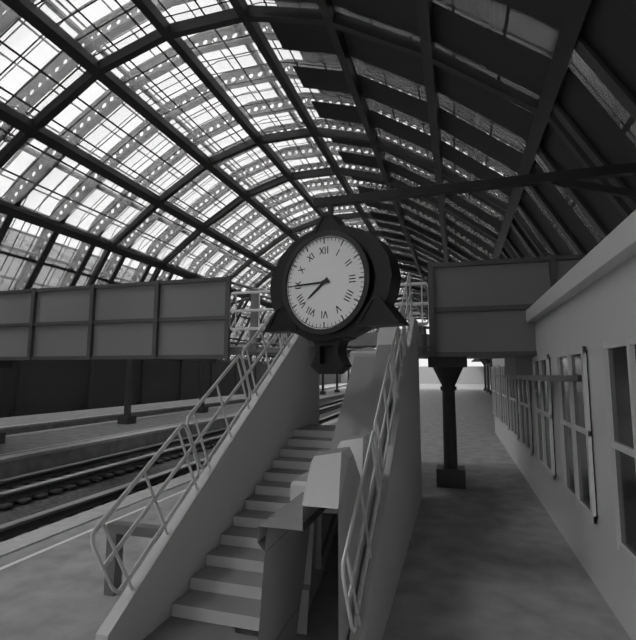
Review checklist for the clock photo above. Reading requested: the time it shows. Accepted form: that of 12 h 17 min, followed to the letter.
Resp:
7 h 45 min
